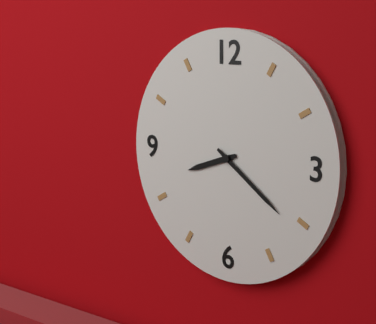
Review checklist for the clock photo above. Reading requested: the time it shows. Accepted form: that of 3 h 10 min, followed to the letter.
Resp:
8 h 21 min
